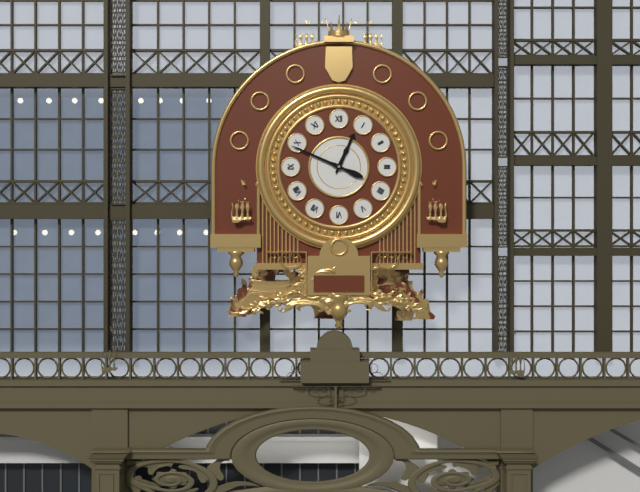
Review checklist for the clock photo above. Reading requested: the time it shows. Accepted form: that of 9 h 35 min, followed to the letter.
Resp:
12 h 49 min
